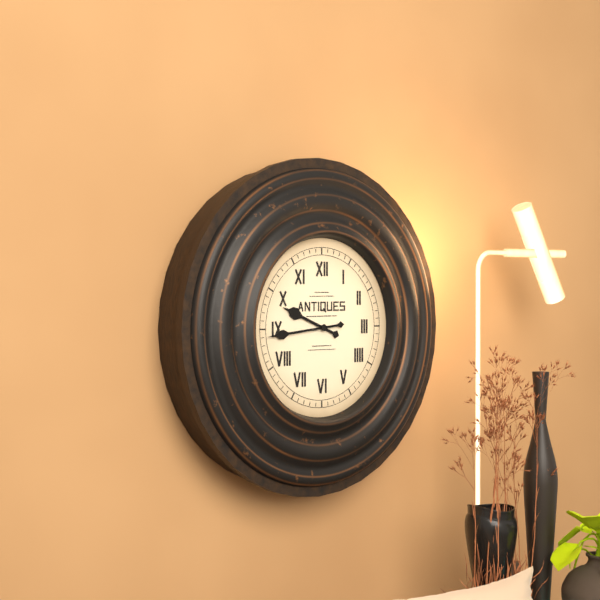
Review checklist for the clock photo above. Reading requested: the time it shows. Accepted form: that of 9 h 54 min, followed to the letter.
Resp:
9 h 44 min
